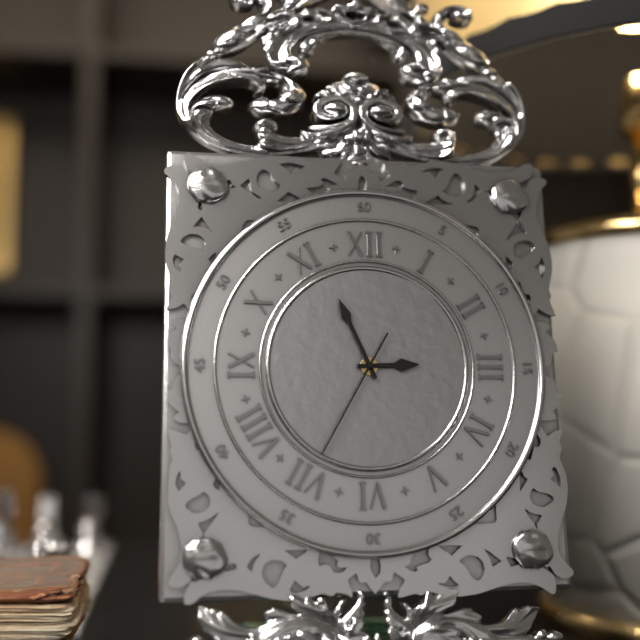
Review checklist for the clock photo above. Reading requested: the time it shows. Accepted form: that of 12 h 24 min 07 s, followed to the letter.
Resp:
2 h 56 min 35 s
